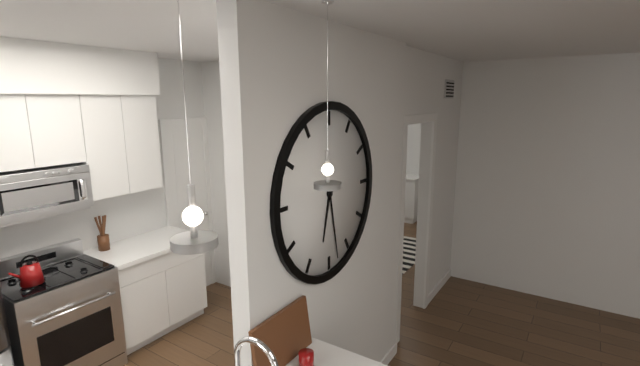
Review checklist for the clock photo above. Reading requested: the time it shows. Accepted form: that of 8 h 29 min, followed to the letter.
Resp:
6 h 28 min
